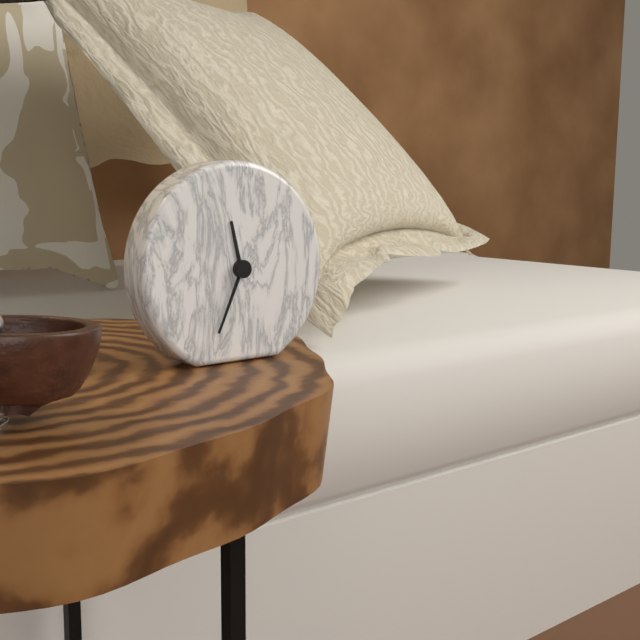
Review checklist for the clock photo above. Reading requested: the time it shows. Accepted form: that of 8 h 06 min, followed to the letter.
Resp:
11 h 34 min
